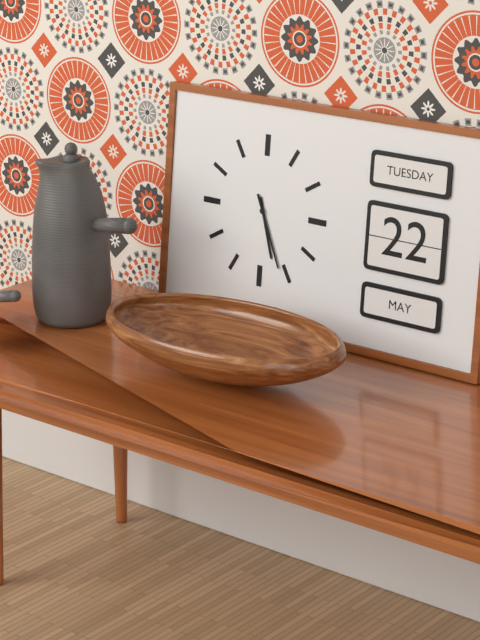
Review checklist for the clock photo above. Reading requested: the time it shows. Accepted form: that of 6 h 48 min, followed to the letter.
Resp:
5 h 26 min
